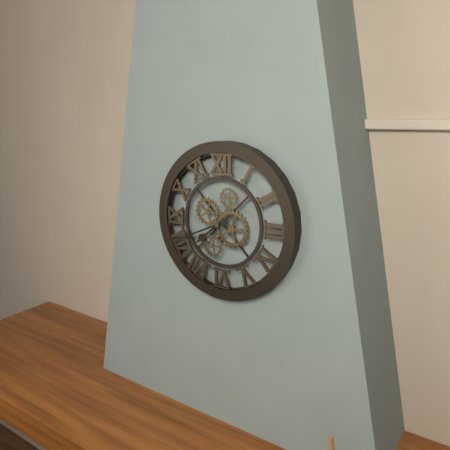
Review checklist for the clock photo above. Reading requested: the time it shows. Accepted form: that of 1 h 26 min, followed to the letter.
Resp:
7 h 41 min
